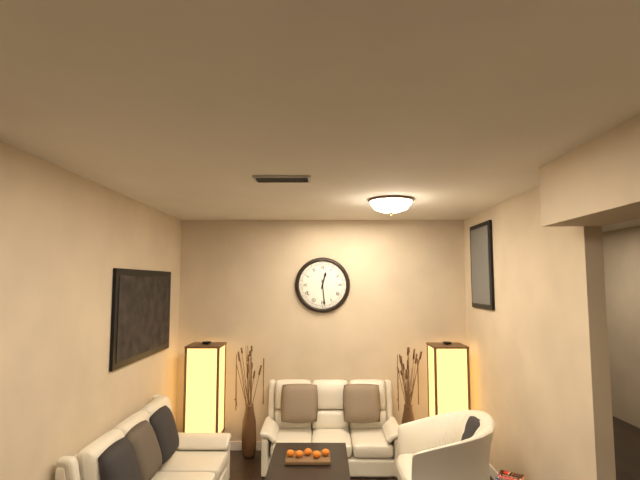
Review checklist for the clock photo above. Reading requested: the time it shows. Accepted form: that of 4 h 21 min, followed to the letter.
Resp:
12 h 29 min
